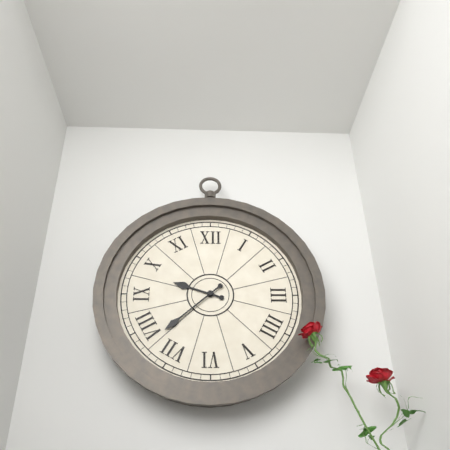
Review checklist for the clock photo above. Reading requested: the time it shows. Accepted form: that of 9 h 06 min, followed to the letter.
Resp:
9 h 38 min
